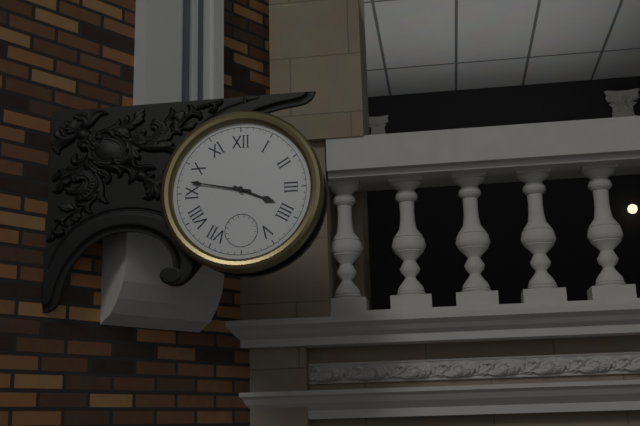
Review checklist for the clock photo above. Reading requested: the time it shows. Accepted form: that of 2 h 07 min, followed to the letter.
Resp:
3 h 47 min
